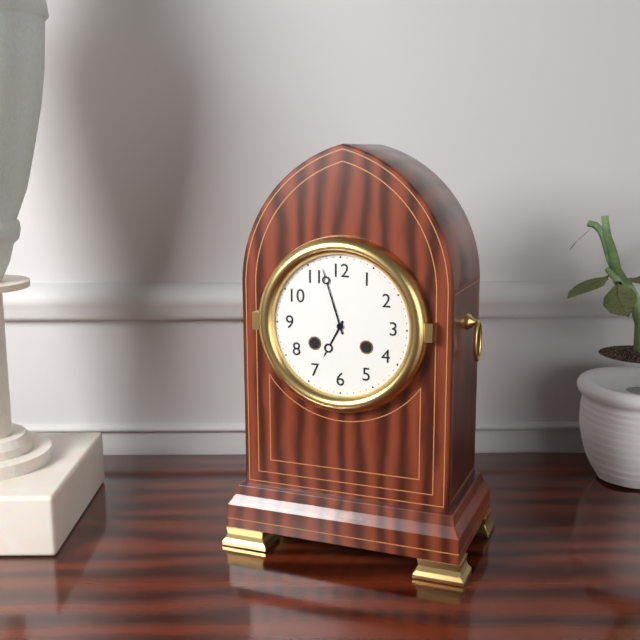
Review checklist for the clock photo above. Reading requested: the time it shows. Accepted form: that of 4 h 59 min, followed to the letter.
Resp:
6 h 57 min
